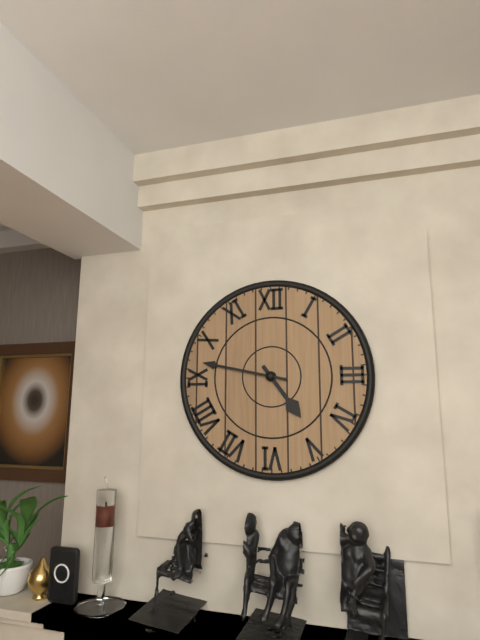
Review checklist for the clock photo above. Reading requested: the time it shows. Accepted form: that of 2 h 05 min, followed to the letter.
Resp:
4 h 47 min
